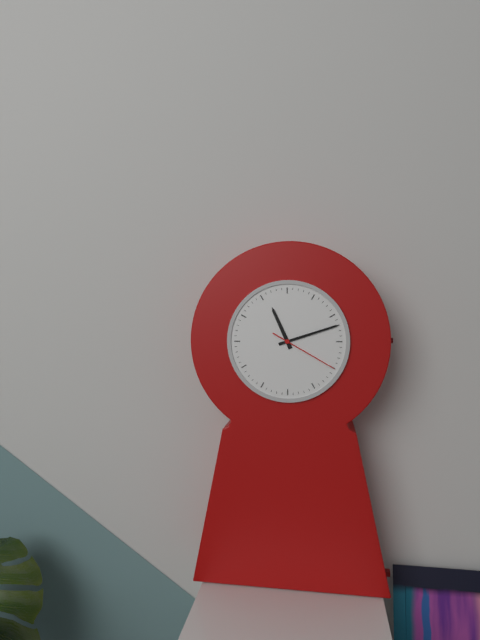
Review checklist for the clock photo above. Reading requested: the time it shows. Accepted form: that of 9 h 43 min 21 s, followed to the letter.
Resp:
11 h 12 min 20 s
